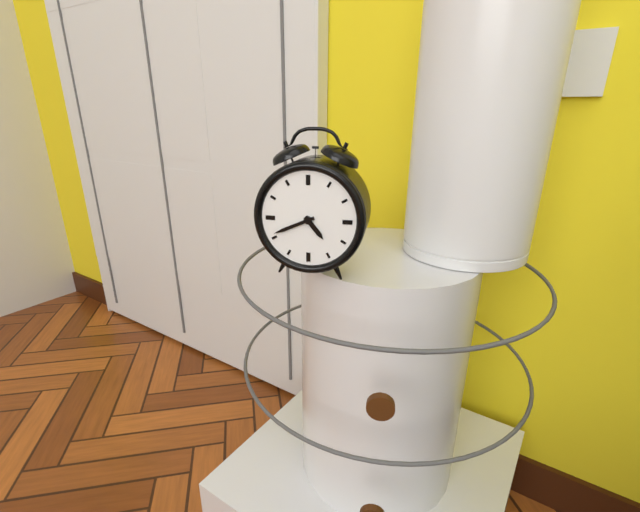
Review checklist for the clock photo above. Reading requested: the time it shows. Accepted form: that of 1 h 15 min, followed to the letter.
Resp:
4 h 41 min
